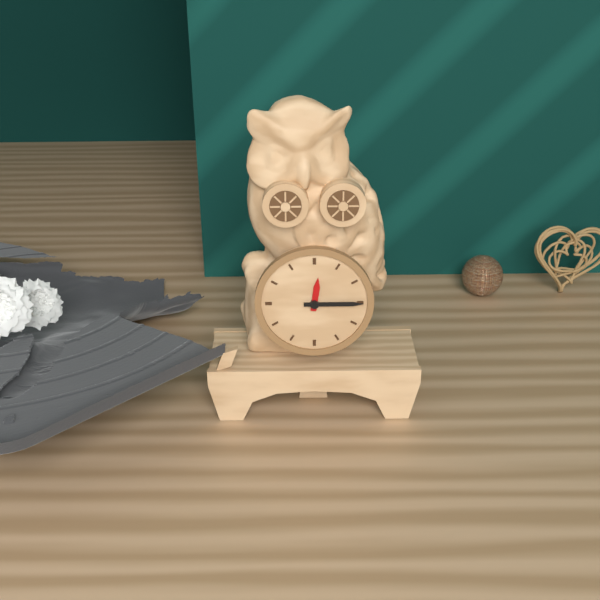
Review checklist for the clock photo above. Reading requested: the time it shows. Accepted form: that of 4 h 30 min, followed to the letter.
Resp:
12 h 15 min
